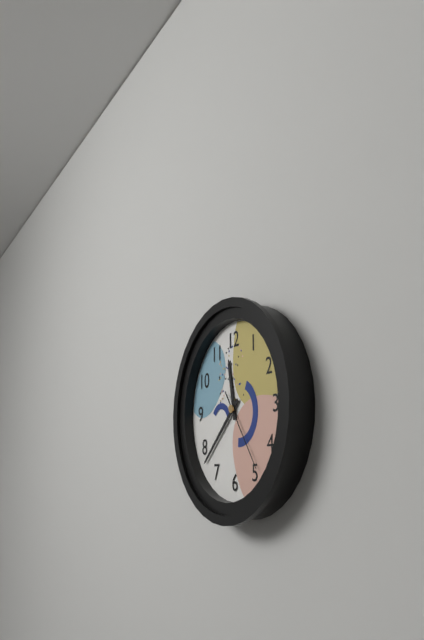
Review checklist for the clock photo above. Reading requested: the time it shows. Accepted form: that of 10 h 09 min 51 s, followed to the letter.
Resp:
11 h 38 min 24 s
